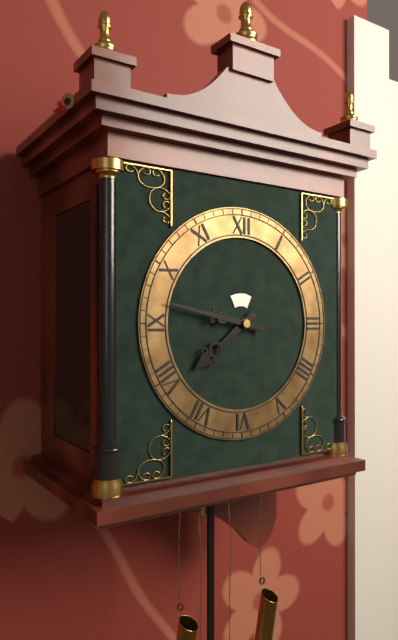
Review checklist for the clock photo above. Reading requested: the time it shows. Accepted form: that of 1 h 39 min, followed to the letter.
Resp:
7 h 47 min
